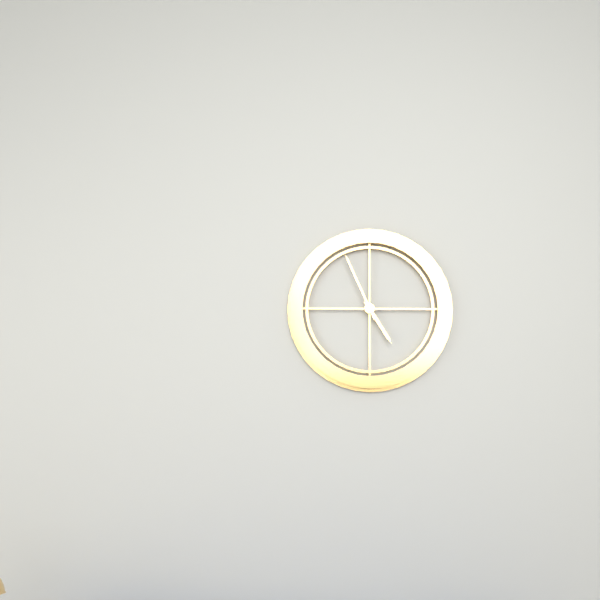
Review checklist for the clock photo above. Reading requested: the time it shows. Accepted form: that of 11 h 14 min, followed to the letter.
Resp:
4 h 56 min
